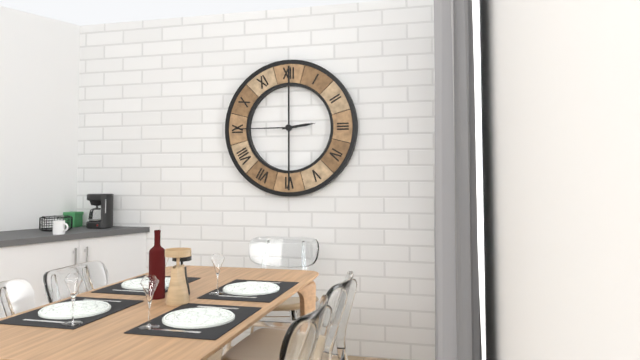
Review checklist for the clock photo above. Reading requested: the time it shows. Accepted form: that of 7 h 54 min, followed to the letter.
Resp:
2 h 45 min
